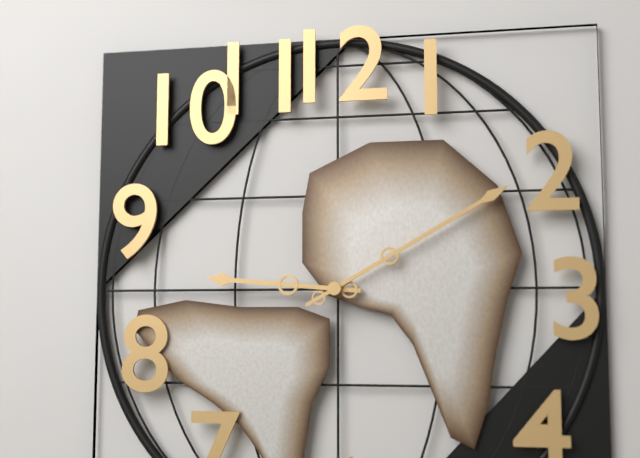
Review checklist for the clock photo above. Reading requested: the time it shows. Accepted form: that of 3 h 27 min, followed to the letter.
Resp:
9 h 10 min
